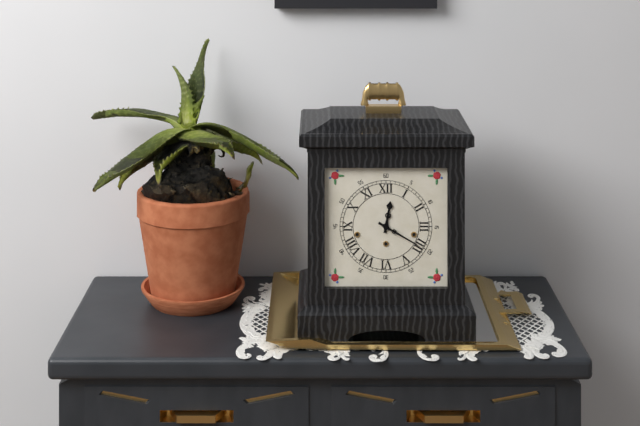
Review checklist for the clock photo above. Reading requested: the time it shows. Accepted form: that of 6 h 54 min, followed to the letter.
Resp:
12 h 20 min
